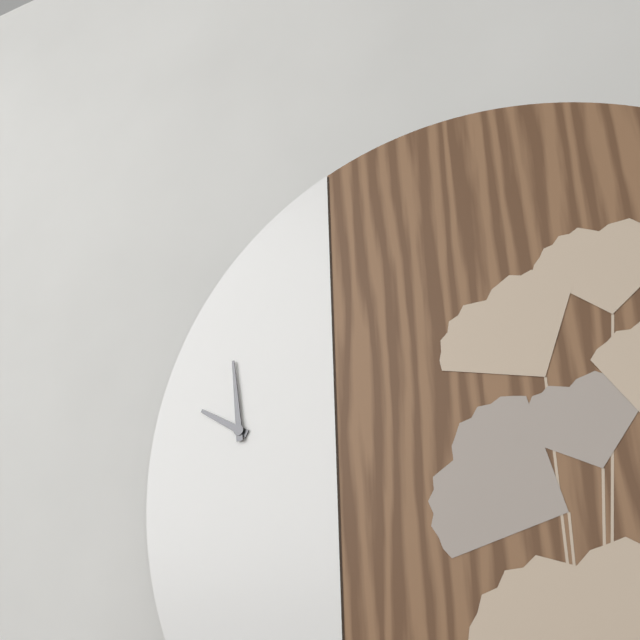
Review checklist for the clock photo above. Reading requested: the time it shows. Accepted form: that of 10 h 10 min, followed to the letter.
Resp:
9 h 59 min
